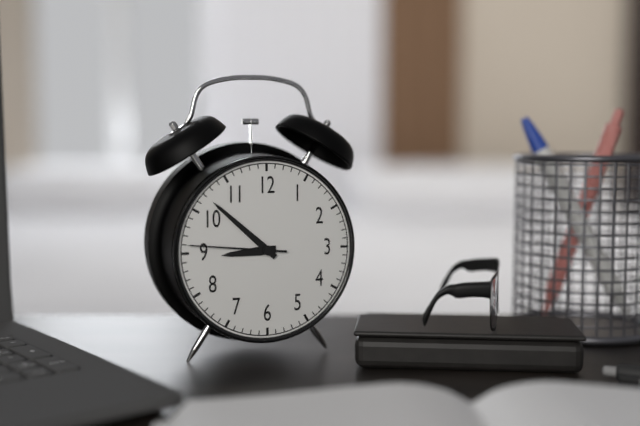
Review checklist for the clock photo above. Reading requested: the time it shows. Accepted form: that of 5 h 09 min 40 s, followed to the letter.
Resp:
8 h 52 min 46 s
